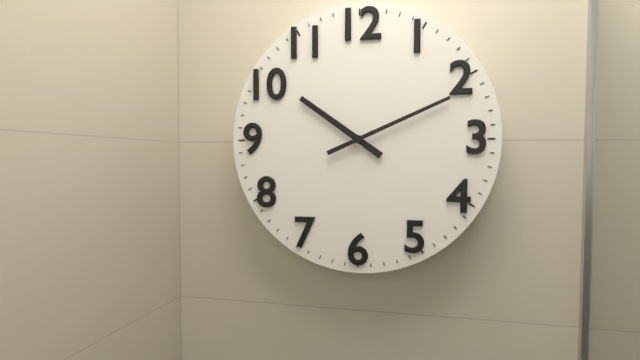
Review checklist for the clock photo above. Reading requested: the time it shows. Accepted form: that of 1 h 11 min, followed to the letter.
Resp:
10 h 11 min
